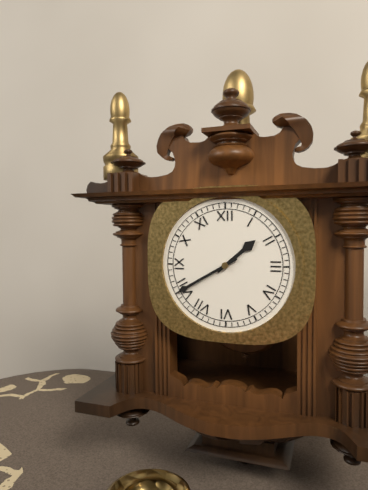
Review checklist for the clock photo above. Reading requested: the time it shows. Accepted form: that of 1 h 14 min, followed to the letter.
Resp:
1 h 40 min
